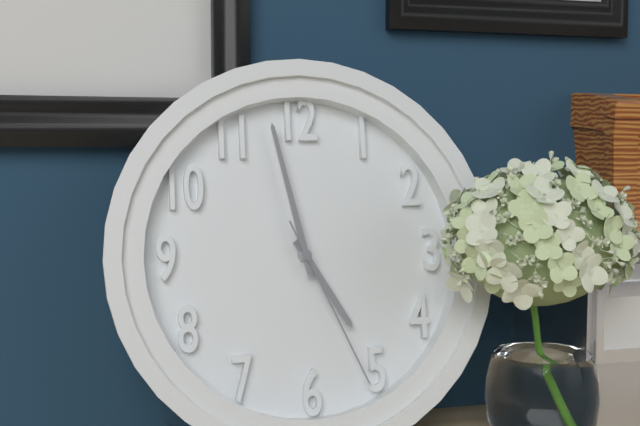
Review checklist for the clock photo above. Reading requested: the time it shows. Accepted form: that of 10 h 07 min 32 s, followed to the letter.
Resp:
4 h 58 min 26 s
